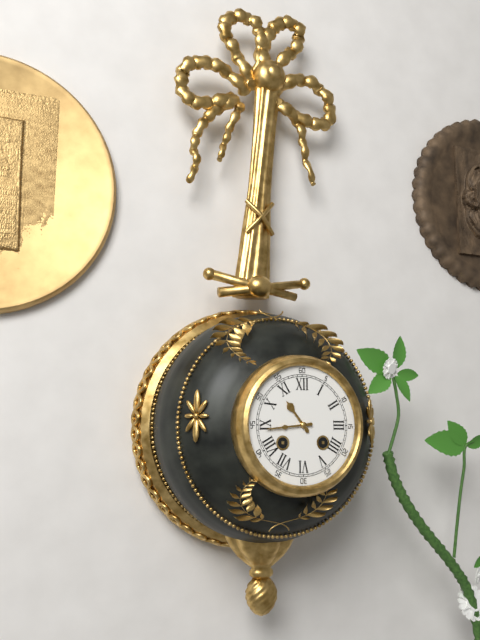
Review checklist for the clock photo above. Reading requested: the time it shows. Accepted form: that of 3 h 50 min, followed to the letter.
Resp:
10 h 44 min
